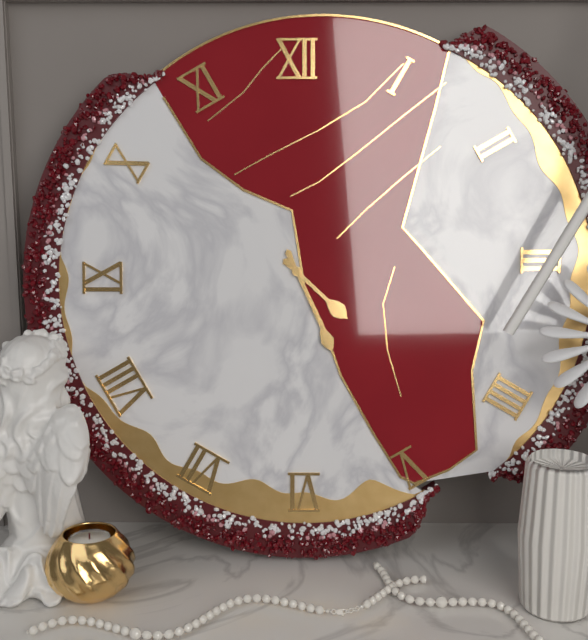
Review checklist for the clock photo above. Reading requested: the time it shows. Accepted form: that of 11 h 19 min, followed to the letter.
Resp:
4 h 26 min
